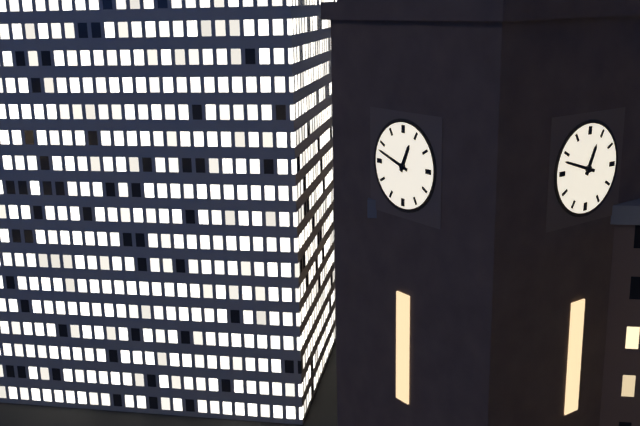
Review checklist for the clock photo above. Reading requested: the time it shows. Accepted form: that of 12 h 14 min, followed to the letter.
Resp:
12 h 48 min
